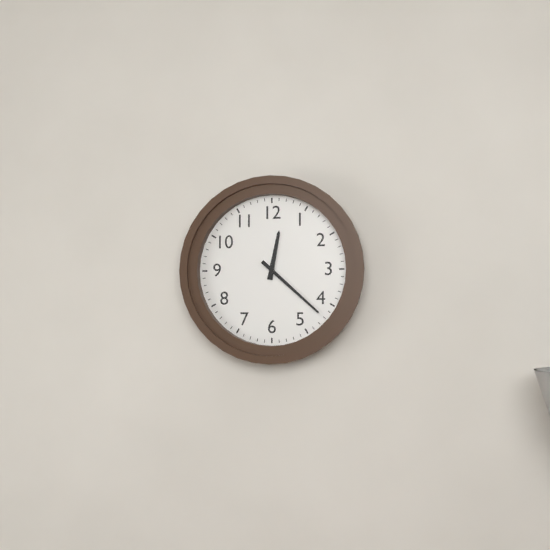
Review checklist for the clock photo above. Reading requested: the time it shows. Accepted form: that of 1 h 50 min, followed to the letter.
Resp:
12 h 22 min
